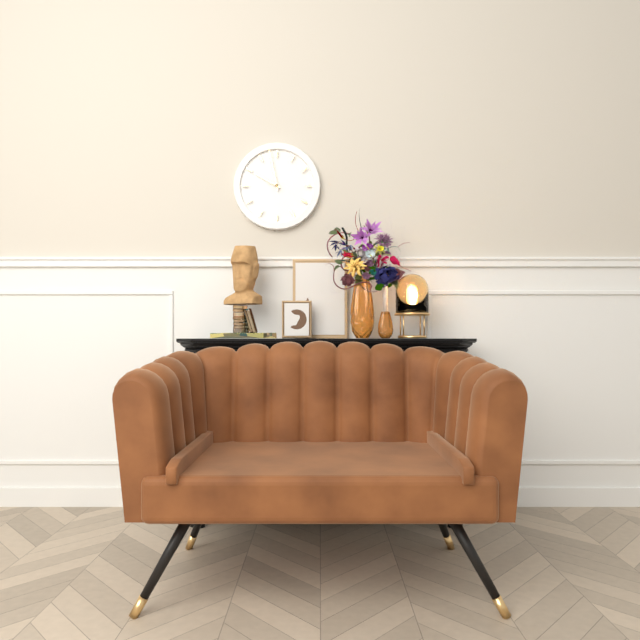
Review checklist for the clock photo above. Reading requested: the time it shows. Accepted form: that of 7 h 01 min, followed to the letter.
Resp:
9 h 58 min
